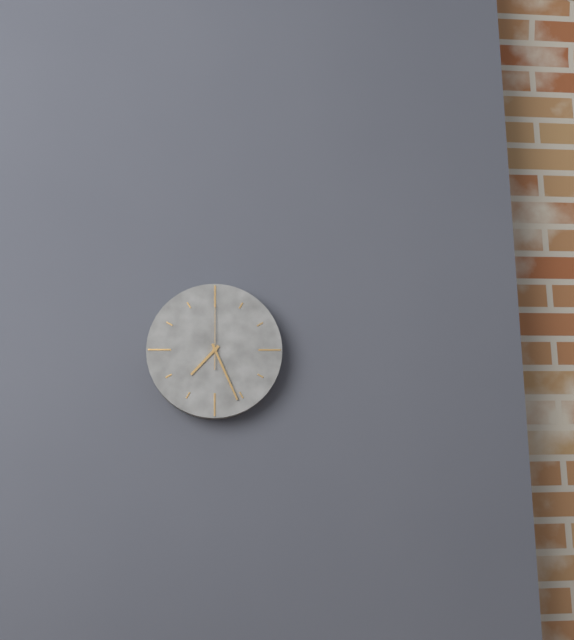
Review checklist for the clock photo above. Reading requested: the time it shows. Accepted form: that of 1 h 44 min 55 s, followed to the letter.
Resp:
7 h 26 min 00 s
